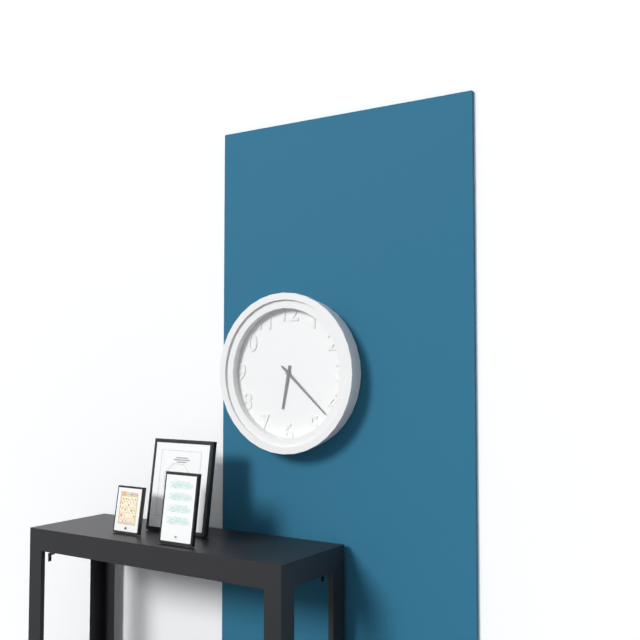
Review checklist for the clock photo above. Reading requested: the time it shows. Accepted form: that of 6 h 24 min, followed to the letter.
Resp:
6 h 22 min
